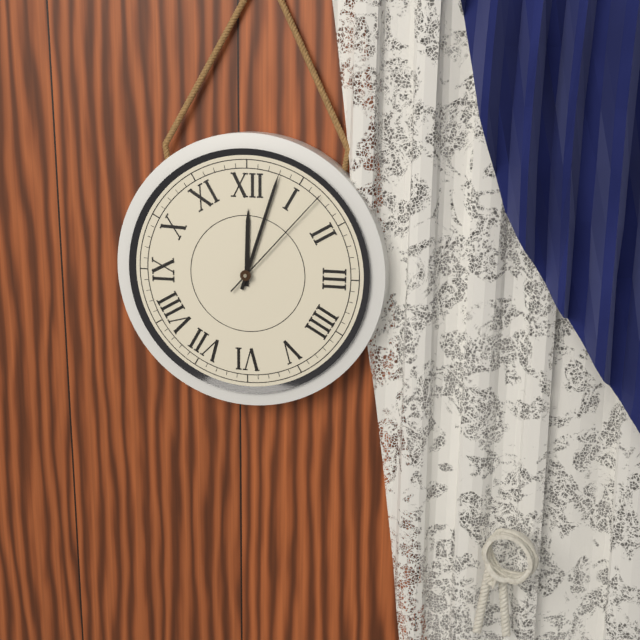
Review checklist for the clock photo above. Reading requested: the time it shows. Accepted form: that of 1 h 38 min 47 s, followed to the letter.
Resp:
12 h 03 min 07 s
